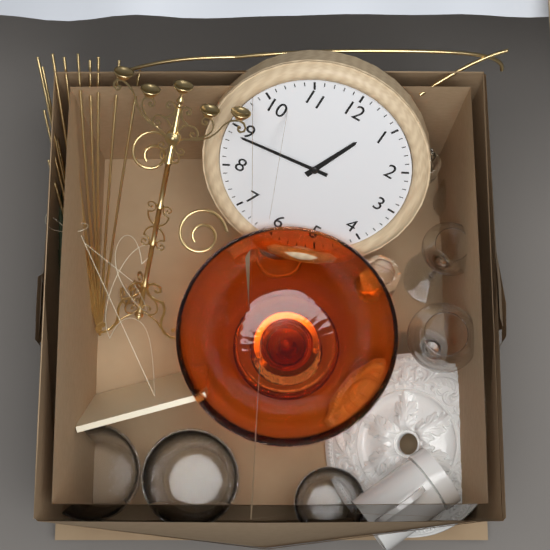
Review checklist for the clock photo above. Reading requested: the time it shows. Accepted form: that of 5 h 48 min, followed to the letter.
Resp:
12 h 44 min
